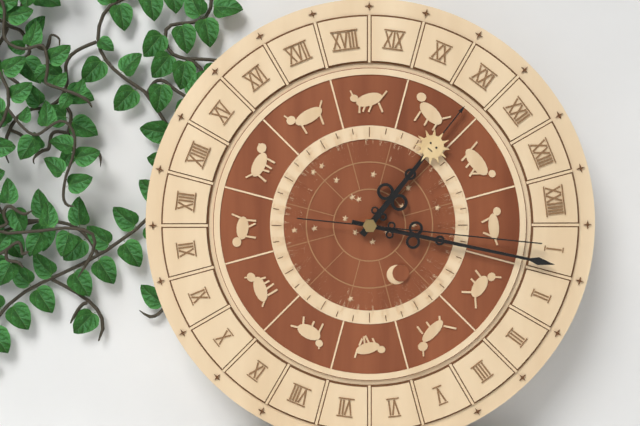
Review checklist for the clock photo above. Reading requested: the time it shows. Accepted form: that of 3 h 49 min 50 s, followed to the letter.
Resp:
1 h 17 min 16 s
